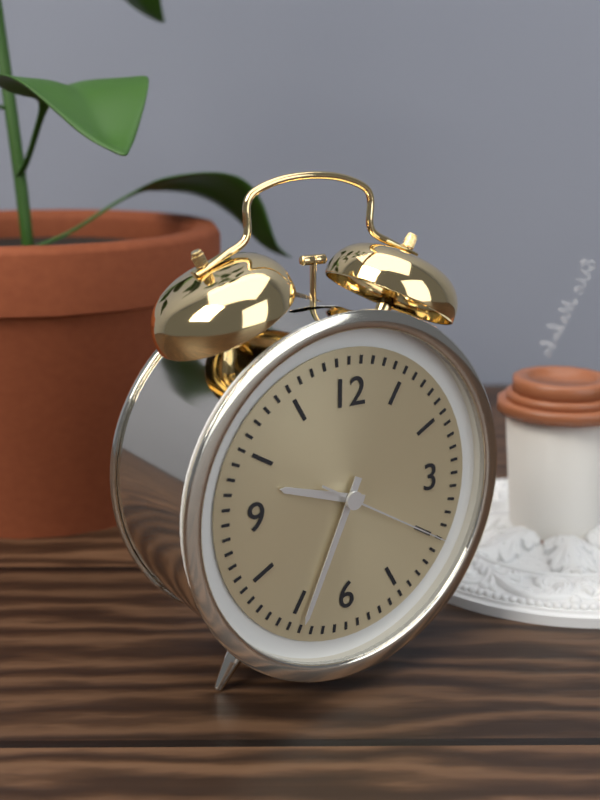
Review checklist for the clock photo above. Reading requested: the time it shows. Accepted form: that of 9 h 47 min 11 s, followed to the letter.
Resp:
9 h 34 min 20 s
